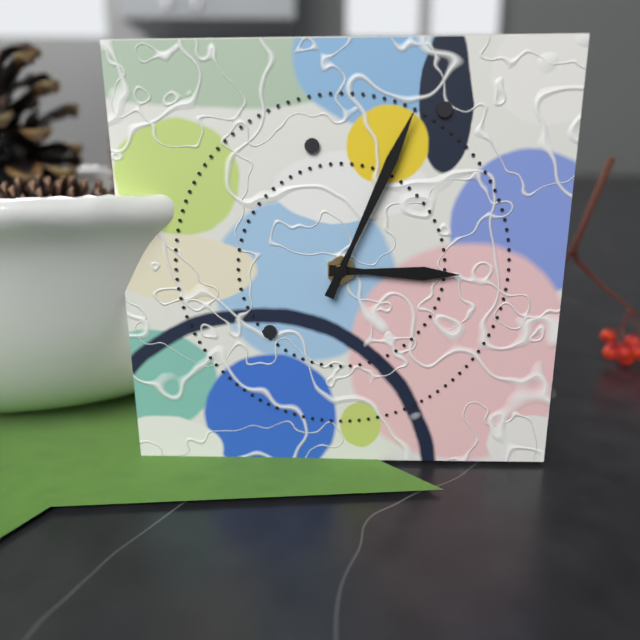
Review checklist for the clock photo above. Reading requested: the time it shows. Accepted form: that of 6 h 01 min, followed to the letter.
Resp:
3 h 04 min
